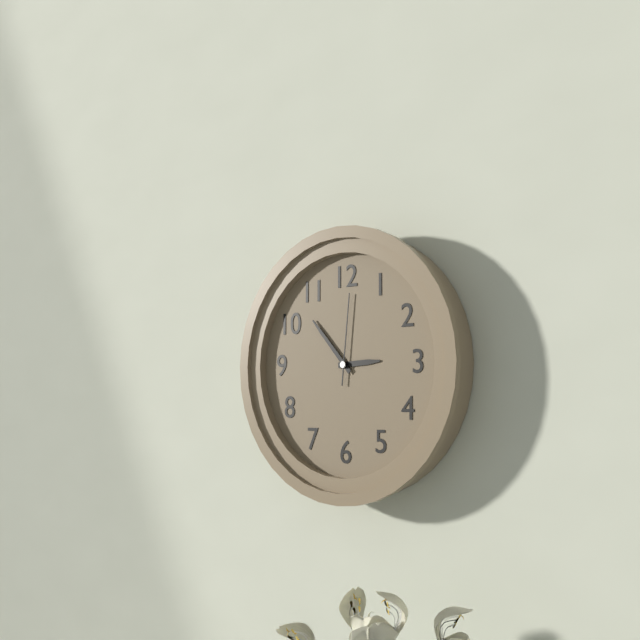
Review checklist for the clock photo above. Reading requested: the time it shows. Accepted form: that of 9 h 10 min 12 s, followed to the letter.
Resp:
2 h 53 min 01 s
